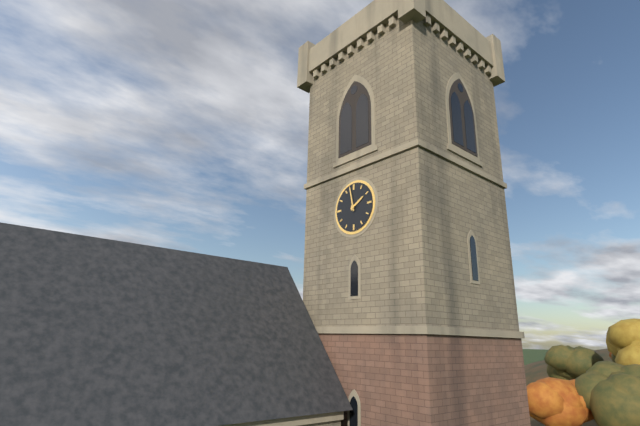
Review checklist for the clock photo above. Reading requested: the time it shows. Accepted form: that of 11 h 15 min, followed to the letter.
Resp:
1 h 58 min
